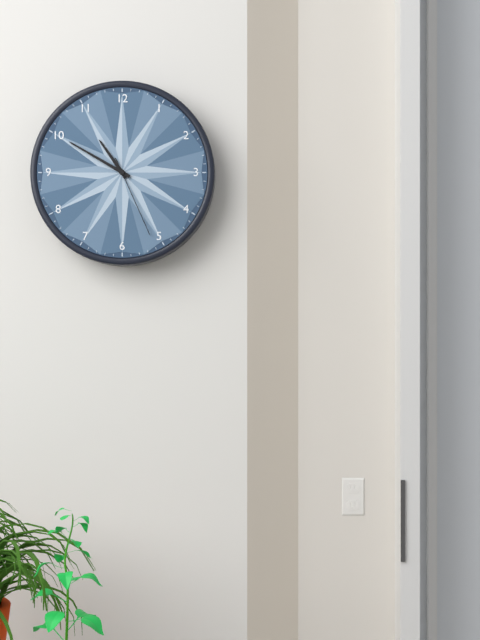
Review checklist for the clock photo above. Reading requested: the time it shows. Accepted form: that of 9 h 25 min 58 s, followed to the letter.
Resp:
10 h 50 min 26 s
